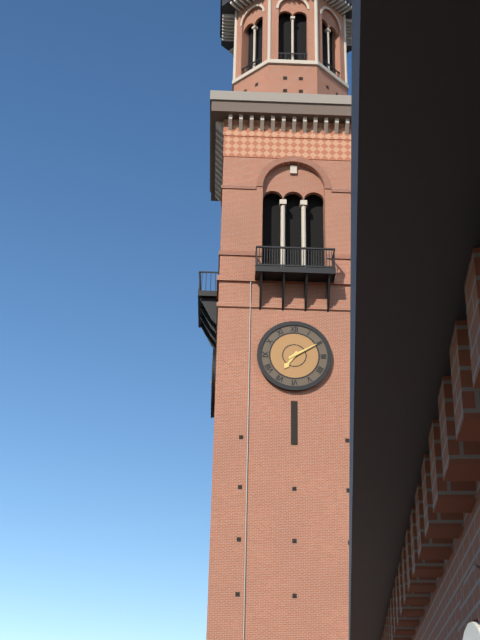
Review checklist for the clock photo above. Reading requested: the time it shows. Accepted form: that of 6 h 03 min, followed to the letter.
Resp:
7 h 10 min
